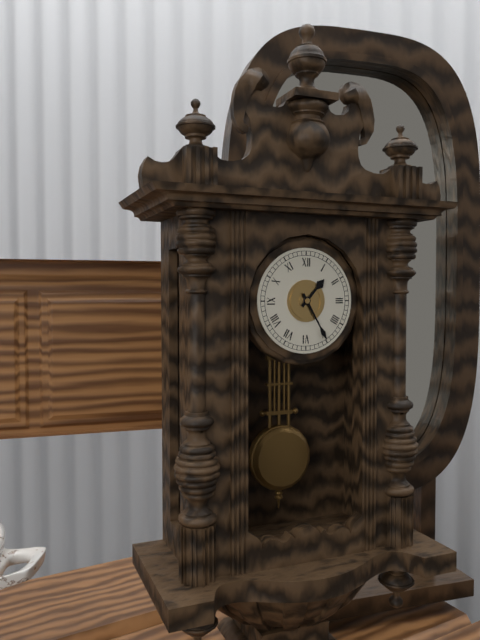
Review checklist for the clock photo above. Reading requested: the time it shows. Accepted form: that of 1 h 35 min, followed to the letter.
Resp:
1 h 25 min
